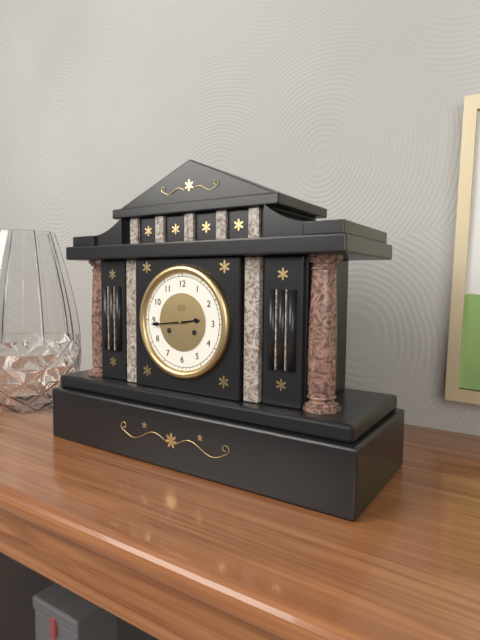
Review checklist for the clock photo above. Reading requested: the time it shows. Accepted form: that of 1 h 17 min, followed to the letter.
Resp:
2 h 44 min
